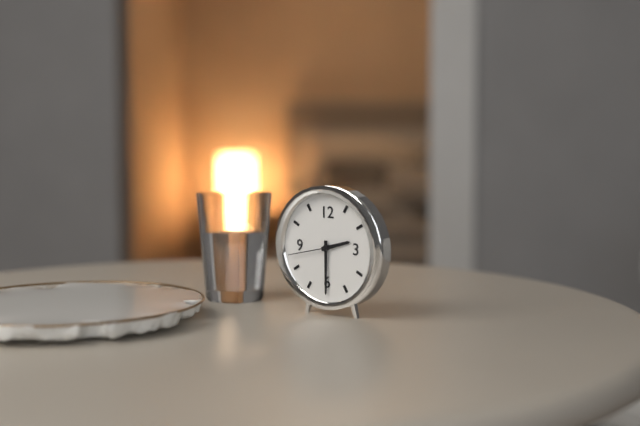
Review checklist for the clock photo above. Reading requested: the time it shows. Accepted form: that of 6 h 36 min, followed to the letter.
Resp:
2 h 30 min
